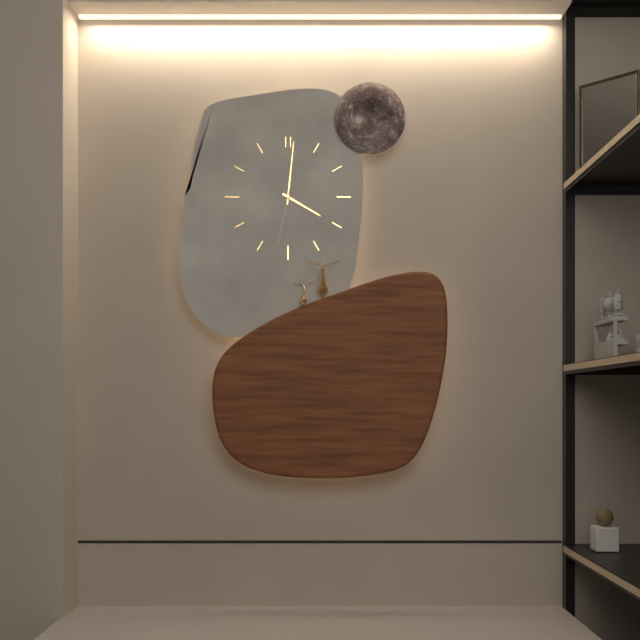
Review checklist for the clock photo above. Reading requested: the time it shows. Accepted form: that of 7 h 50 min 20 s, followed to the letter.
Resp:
4 h 01 min 32 s
